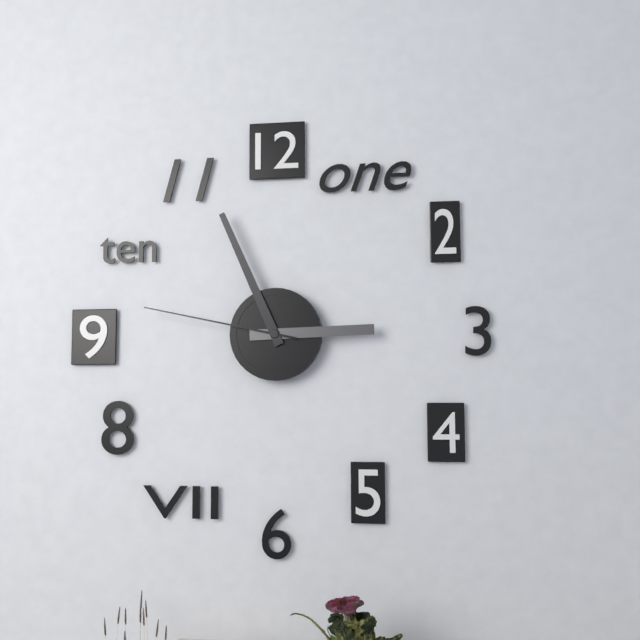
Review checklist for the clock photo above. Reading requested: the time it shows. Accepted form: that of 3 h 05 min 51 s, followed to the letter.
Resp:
2 h 56 min 47 s
